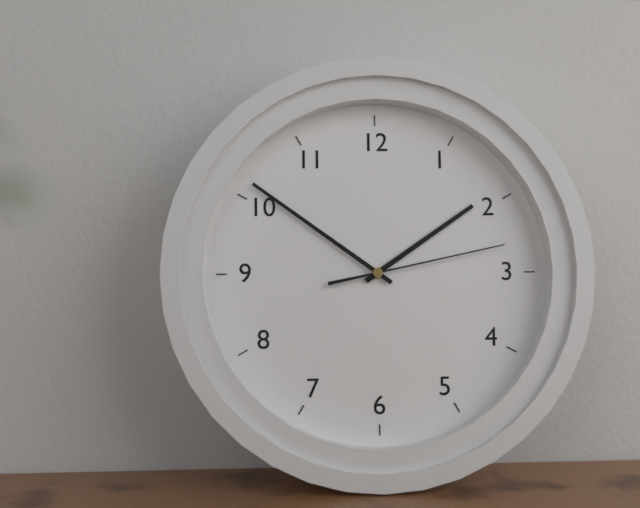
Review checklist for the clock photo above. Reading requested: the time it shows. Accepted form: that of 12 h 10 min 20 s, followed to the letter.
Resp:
1 h 51 min 13 s
